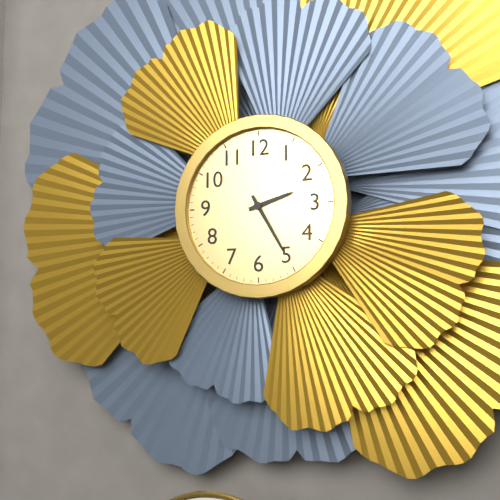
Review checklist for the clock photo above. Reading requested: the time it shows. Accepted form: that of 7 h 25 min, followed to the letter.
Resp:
2 h 25 min
